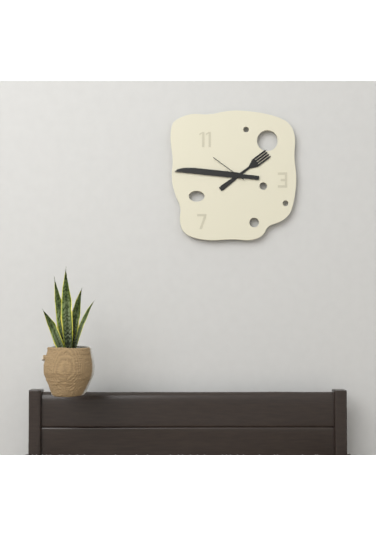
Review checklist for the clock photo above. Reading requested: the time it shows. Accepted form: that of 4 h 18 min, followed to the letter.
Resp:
1 h 46 min
